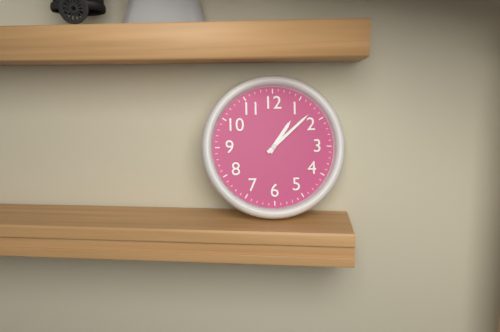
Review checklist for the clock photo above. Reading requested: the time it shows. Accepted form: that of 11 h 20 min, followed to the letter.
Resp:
1 h 08 min
